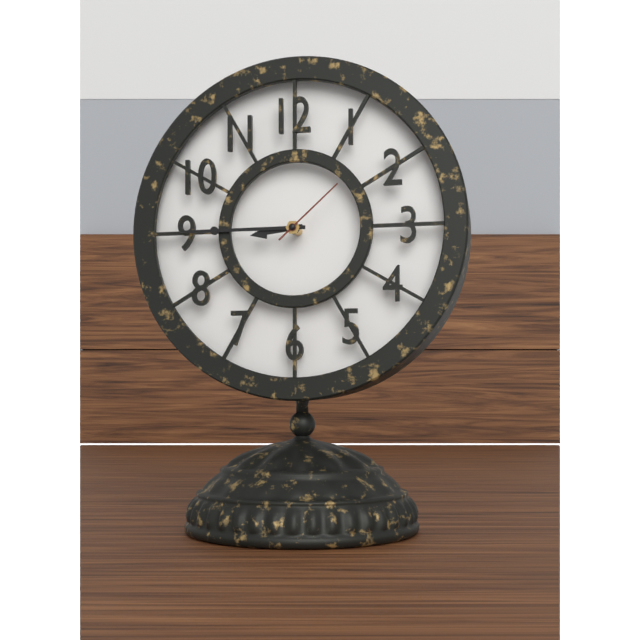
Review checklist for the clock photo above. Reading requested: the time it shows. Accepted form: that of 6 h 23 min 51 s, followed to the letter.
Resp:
8 h 45 min 08 s
